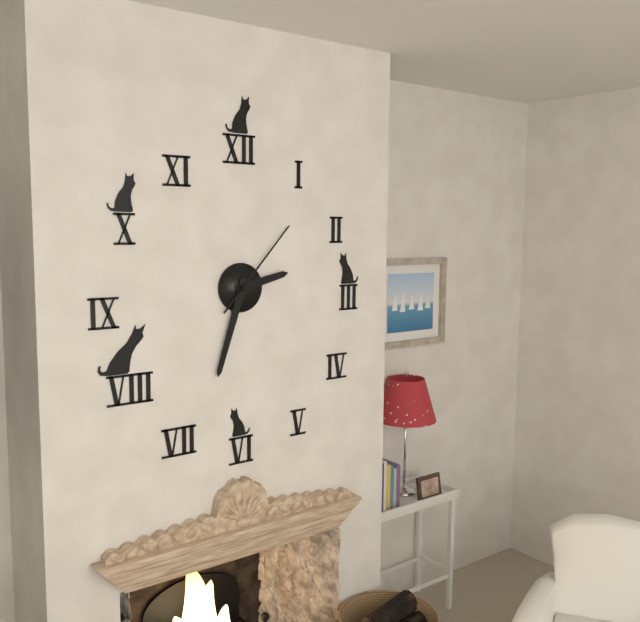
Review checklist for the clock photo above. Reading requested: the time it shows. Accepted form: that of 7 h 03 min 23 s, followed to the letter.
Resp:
2 h 33 min 07 s
